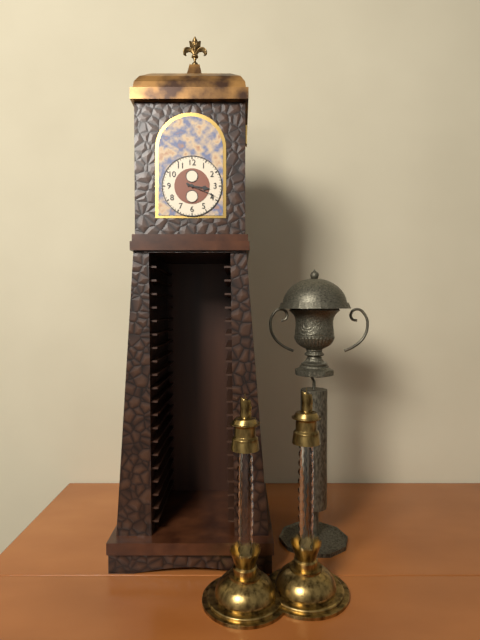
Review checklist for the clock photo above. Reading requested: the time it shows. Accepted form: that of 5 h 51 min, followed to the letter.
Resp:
3 h 19 min
